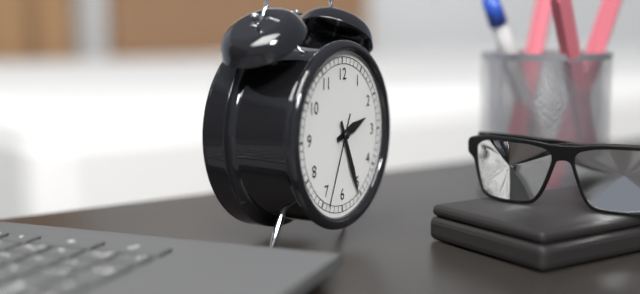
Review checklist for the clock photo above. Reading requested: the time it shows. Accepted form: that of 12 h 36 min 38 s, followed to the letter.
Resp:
2 h 26 min 34 s
